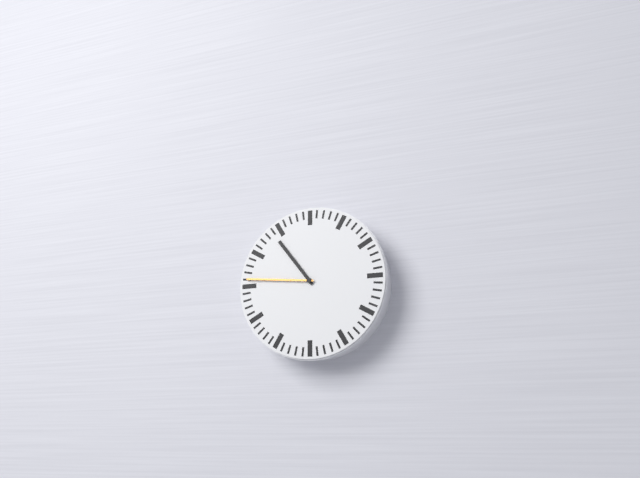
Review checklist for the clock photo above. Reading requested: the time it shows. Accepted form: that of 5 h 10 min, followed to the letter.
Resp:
10 h 46 min
